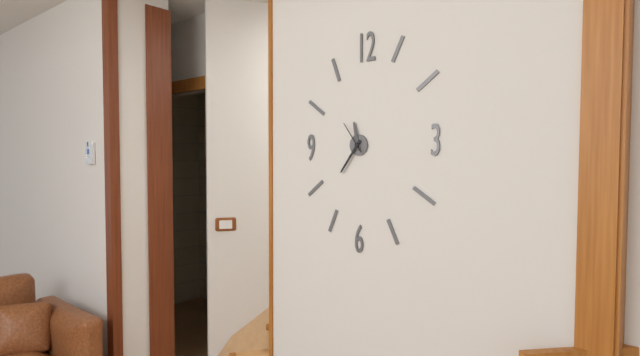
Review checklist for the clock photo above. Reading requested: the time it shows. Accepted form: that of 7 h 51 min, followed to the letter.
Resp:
11 h 36 min
